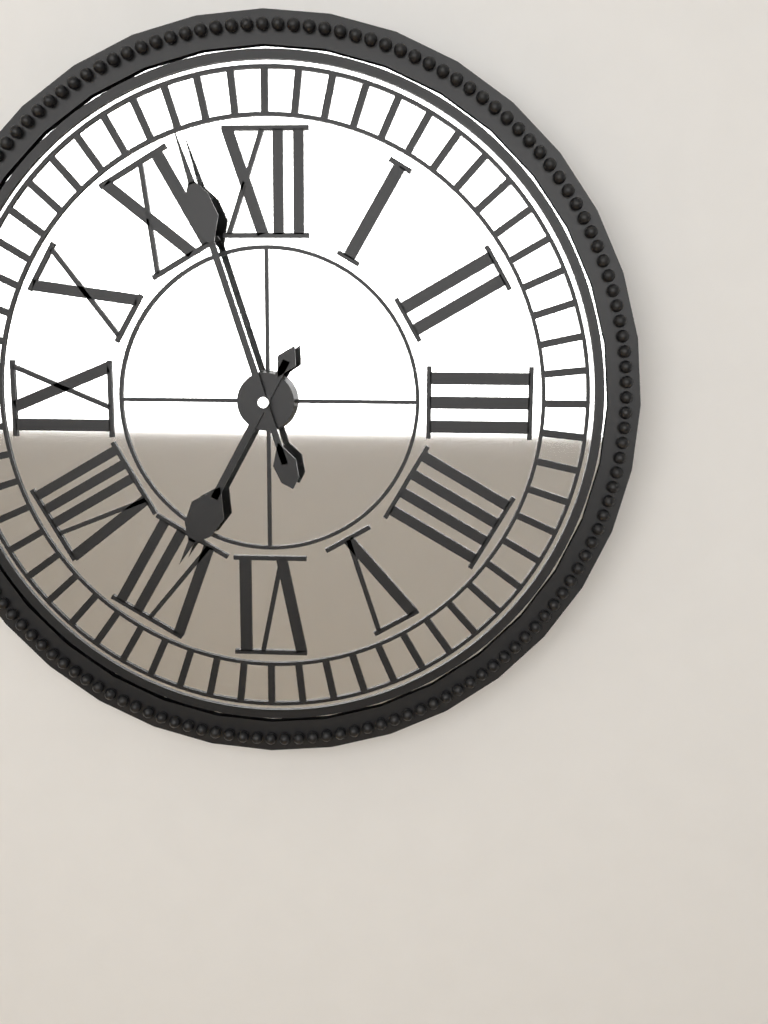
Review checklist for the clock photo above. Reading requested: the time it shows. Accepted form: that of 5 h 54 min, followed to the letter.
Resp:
6 h 57 min
